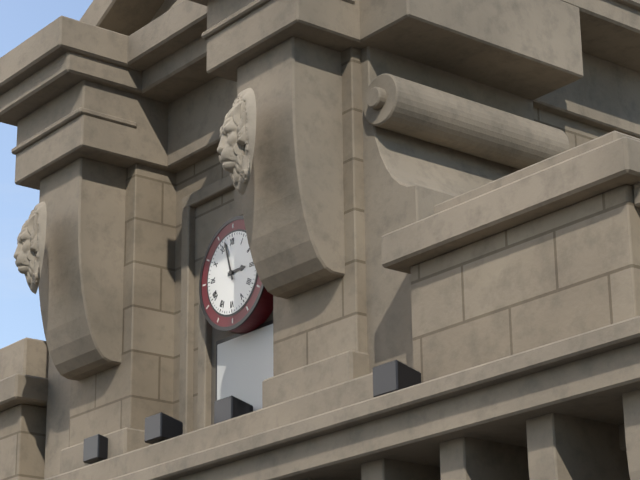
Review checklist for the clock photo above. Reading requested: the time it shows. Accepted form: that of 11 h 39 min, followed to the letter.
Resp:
2 h 57 min
